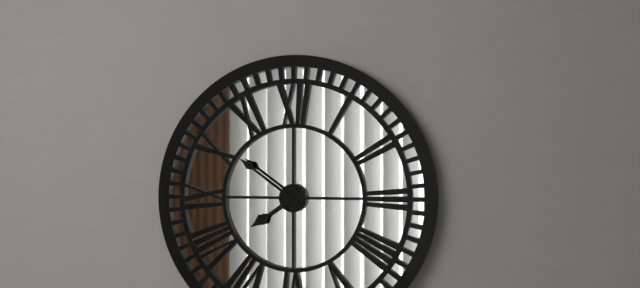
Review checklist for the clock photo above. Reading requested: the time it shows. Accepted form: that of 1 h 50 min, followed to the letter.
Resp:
7 h 51 min
